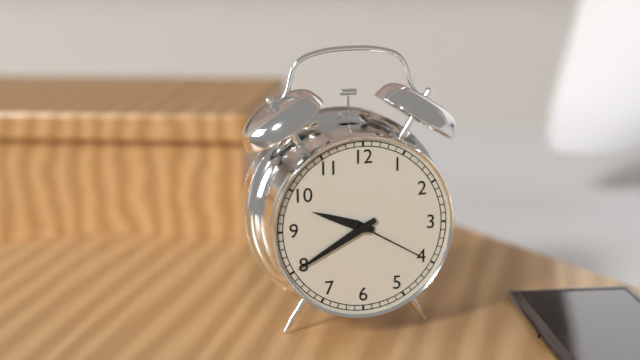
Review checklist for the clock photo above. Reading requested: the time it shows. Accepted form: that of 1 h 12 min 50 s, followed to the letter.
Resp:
9 h 40 min 20 s
